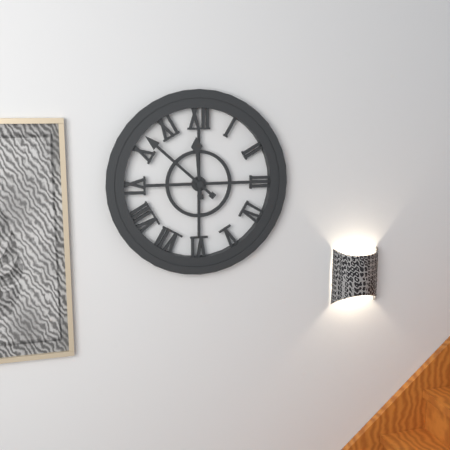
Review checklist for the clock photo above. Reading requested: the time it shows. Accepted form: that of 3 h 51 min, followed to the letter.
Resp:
11 h 52 min
